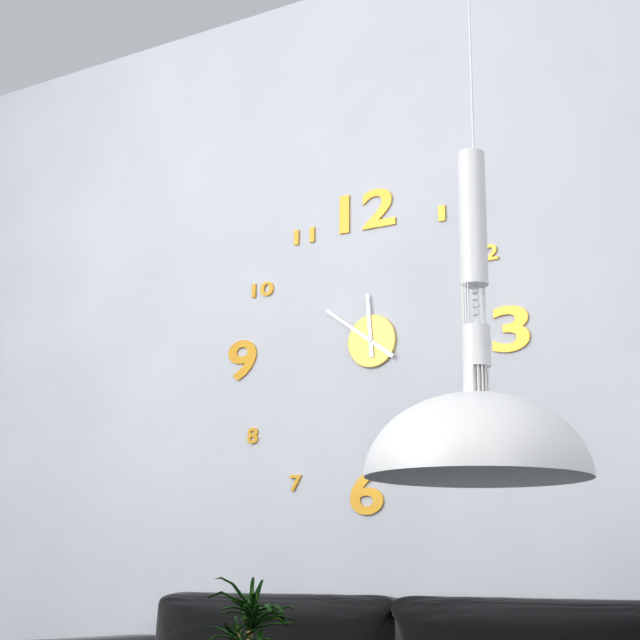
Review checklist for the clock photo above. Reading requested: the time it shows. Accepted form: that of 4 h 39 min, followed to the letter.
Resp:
11 h 51 min
